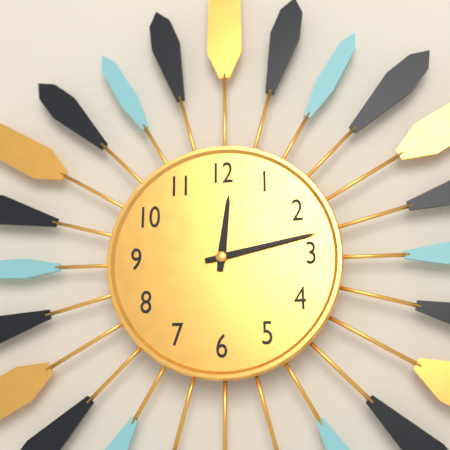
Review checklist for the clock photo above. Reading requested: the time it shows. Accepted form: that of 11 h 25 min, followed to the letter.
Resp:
12 h 13 min
